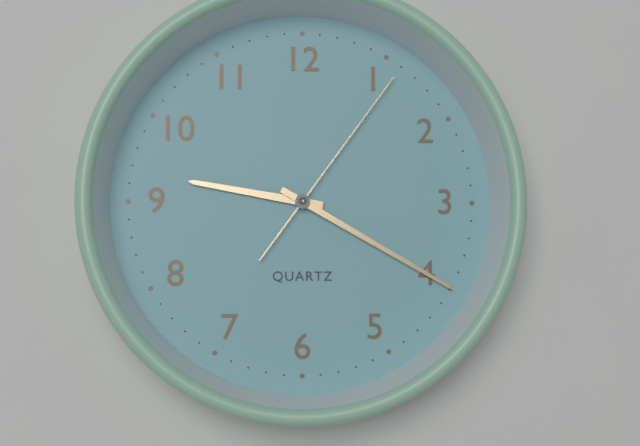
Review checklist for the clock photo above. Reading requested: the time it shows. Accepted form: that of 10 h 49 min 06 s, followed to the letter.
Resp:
9 h 20 min 06 s
